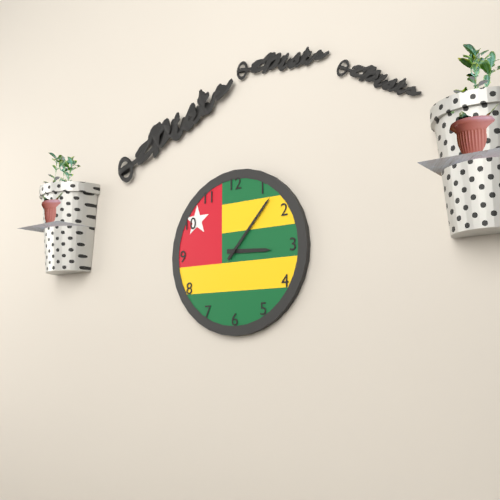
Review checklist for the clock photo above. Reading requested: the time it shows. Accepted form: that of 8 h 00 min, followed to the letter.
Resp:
3 h 07 min
